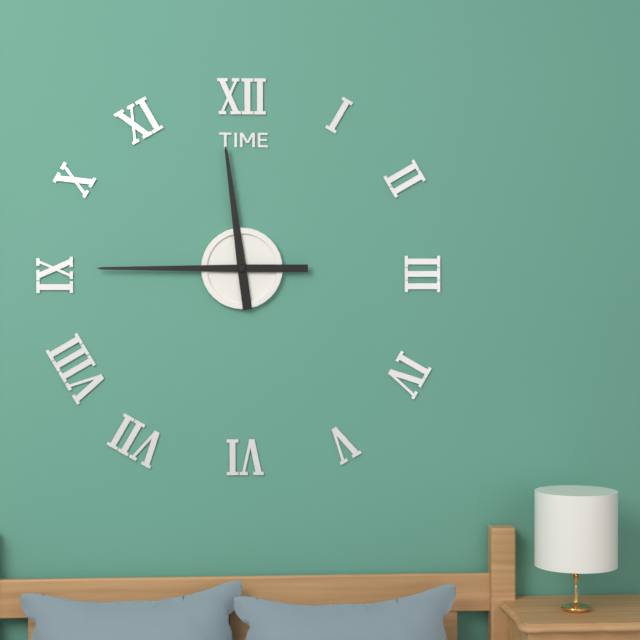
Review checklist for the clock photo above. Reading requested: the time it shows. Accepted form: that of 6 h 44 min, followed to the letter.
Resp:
11 h 45 min
